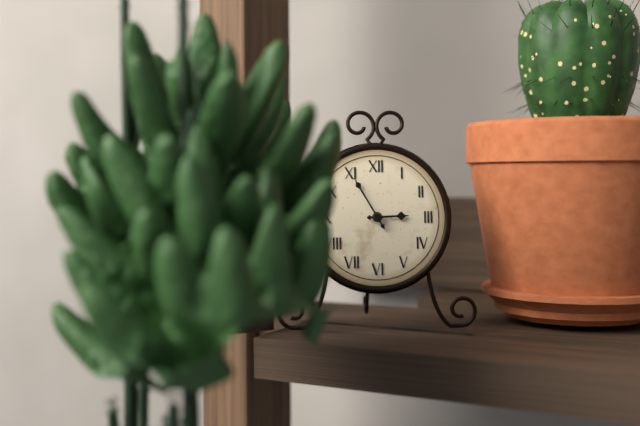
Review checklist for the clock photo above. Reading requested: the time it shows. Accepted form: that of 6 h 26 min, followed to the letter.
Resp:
2 h 55 min
